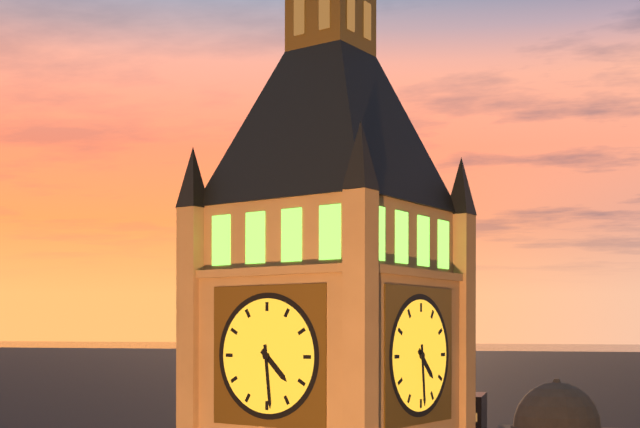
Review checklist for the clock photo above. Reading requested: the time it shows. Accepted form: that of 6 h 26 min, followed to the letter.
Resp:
4 h 29 min
